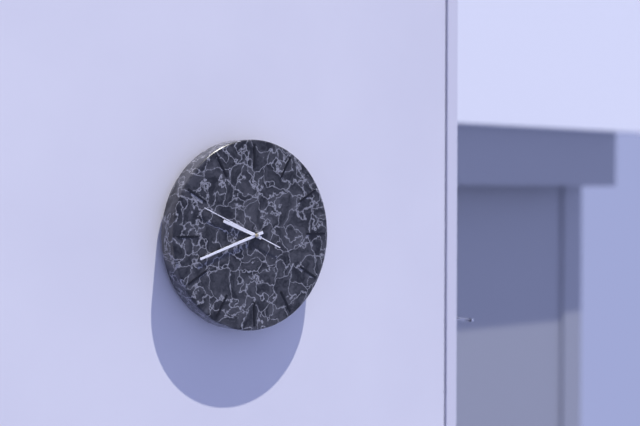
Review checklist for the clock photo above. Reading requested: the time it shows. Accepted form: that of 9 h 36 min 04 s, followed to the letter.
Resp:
9 h 42 min 49 s
